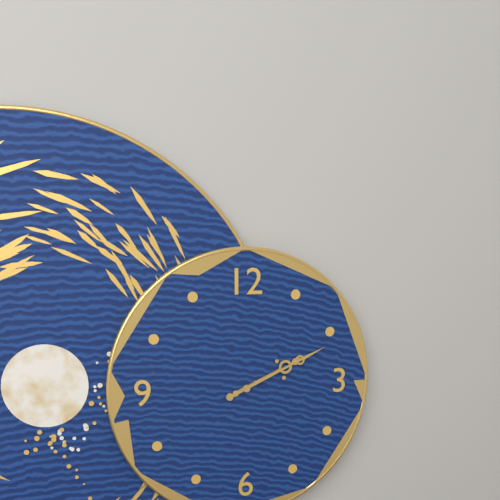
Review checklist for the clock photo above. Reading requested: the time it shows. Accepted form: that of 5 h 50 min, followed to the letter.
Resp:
2 h 11 min
